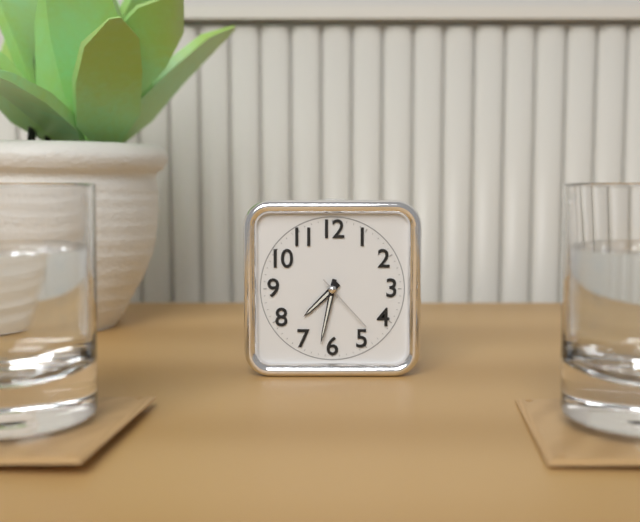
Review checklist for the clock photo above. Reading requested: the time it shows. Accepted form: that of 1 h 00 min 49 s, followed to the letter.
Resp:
7 h 32 min 23 s
